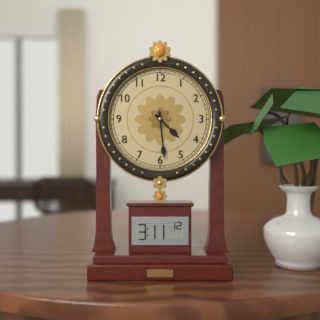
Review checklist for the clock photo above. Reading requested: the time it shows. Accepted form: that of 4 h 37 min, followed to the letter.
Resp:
4 h 29 min
